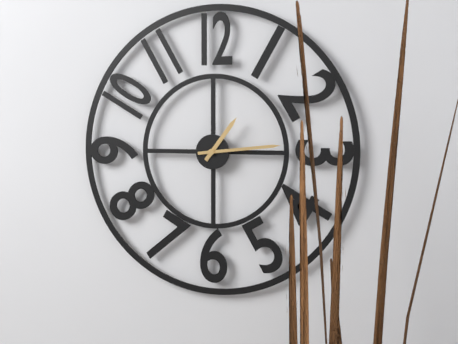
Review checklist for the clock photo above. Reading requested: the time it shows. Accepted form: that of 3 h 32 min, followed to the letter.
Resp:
1 h 14 min
